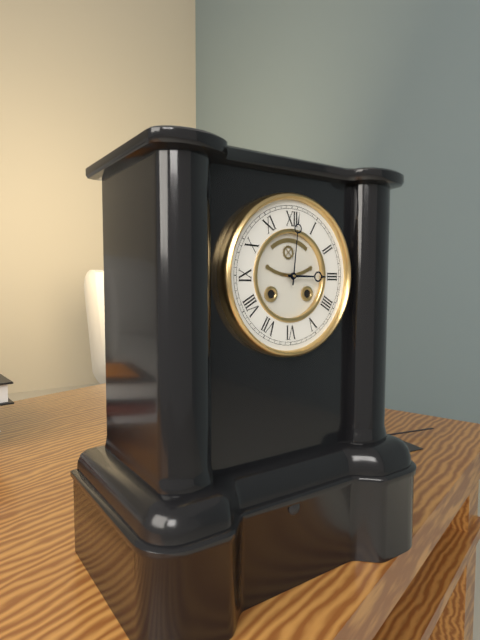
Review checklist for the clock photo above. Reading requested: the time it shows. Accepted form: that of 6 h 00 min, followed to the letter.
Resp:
3 h 01 min
